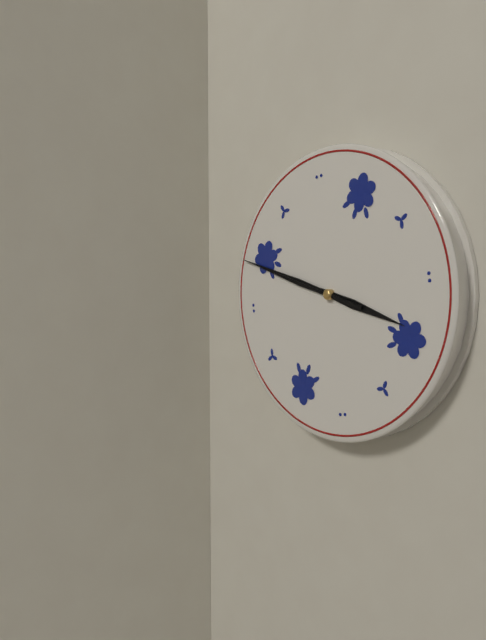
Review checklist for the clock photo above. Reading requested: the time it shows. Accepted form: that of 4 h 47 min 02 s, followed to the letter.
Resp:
3 h 49 min 49 s
